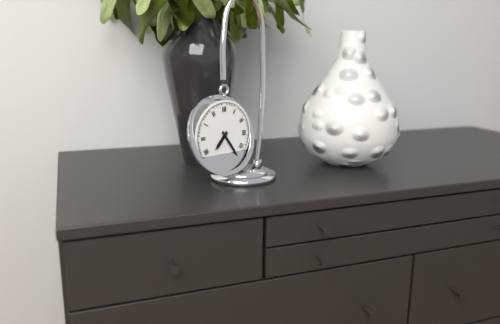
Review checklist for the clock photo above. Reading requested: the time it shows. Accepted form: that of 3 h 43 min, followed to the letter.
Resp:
7 h 24 min
